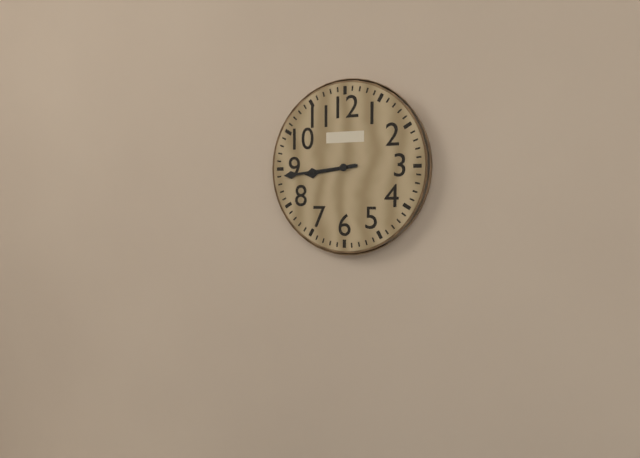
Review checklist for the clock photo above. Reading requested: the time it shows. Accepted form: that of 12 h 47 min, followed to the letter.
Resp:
8 h 44 min
